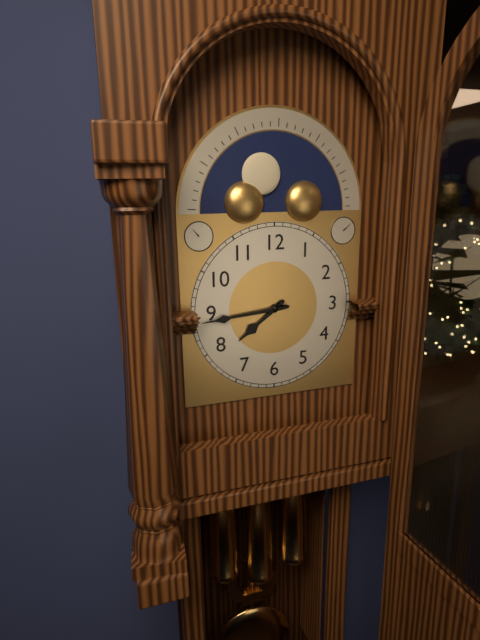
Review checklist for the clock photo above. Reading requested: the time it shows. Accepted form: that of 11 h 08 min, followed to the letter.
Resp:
7 h 44 min
